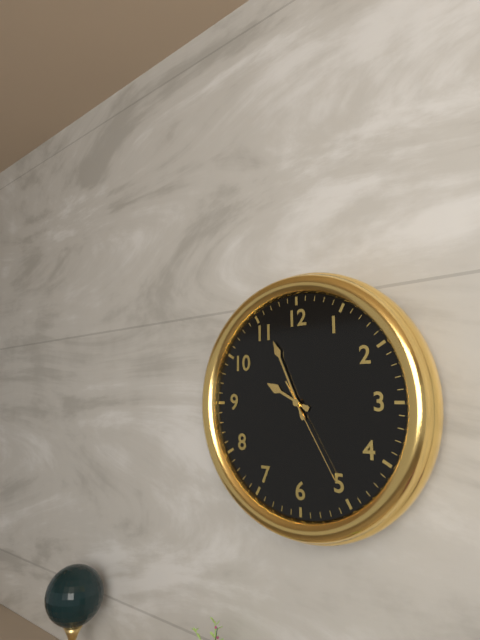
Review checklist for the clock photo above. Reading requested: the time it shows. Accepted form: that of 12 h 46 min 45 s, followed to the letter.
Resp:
9 h 56 min 25 s
